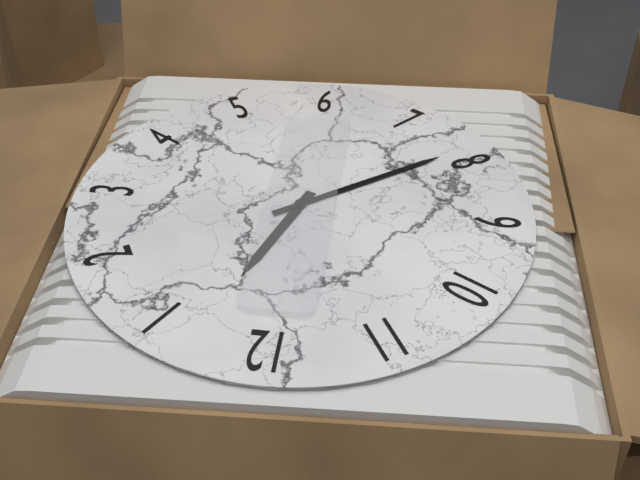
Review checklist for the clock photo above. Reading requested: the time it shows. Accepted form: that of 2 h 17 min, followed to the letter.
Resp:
12 h 39 min
